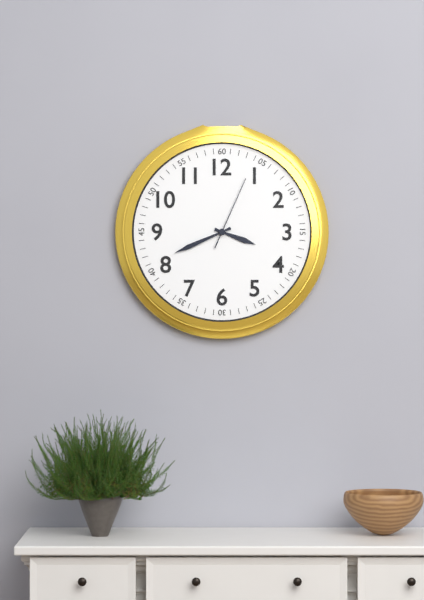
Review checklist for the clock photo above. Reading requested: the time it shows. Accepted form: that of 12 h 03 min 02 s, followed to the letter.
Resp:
3 h 41 min 04 s
